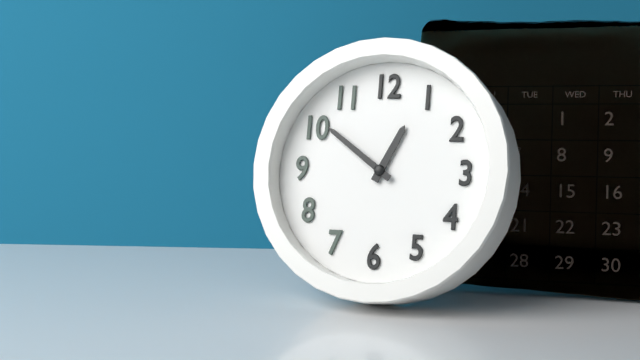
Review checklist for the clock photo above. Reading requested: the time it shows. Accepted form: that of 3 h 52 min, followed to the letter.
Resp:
12 h 51 min
